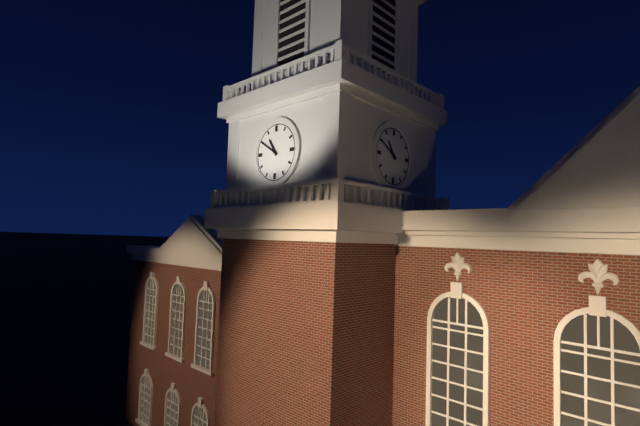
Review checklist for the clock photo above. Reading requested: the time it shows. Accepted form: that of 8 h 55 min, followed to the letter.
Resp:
10 h 50 min
